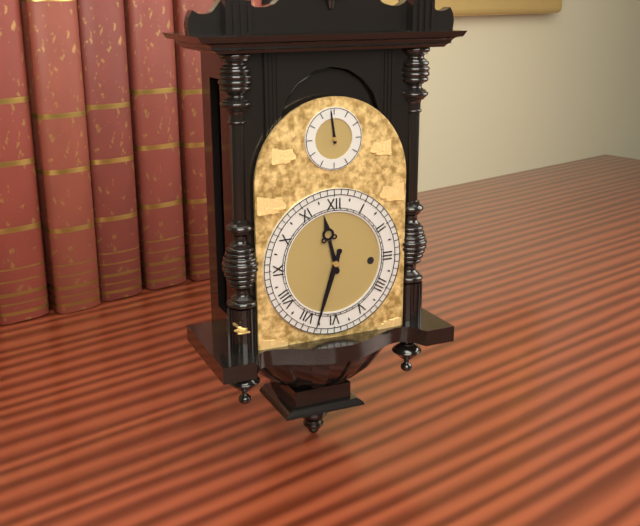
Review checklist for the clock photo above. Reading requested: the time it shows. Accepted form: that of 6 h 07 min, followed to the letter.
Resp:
11 h 33 min
